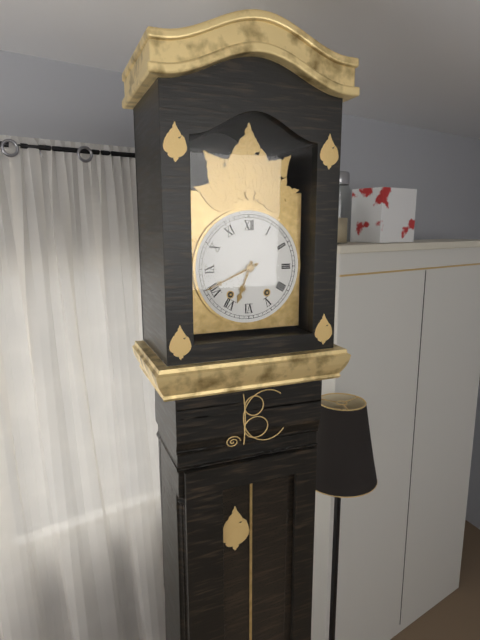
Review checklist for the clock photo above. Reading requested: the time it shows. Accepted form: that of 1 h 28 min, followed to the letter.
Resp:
6 h 41 min
